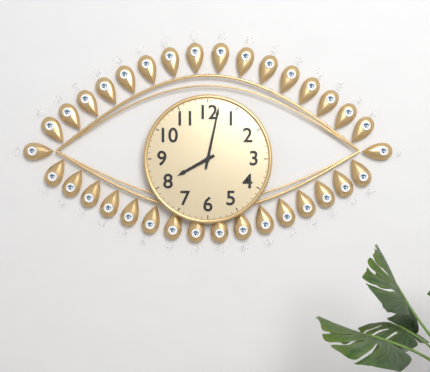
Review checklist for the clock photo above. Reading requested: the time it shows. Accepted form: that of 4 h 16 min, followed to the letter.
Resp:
8 h 02 min
